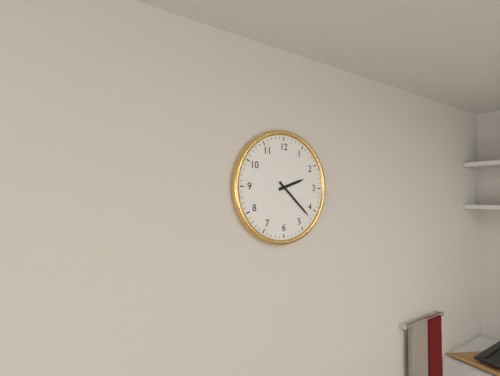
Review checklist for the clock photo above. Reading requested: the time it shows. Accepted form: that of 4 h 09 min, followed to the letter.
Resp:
2 h 22 min
